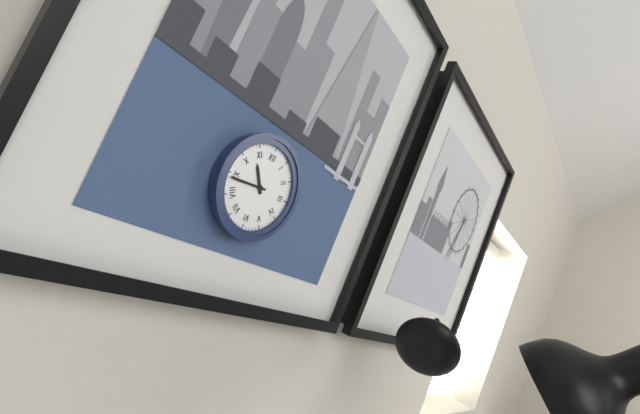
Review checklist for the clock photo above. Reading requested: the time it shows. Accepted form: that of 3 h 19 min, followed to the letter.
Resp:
10 h 44 min
